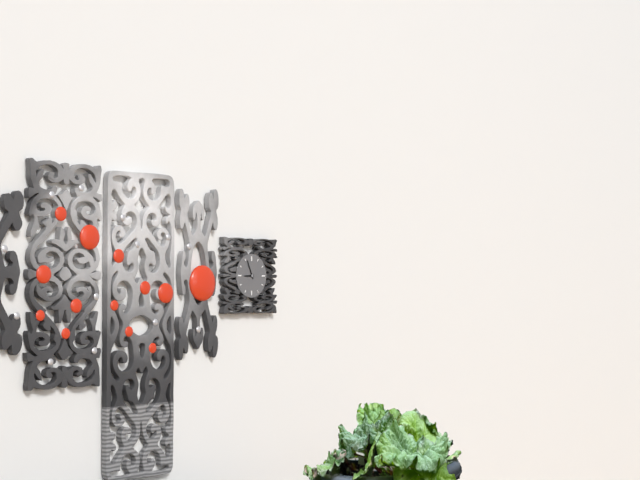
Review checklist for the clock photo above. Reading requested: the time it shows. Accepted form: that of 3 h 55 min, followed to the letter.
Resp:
8 h 56 min
